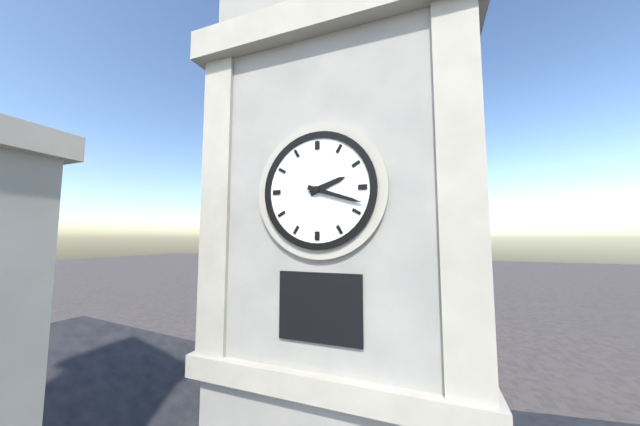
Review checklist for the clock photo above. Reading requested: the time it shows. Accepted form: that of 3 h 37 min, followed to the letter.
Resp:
2 h 18 min
